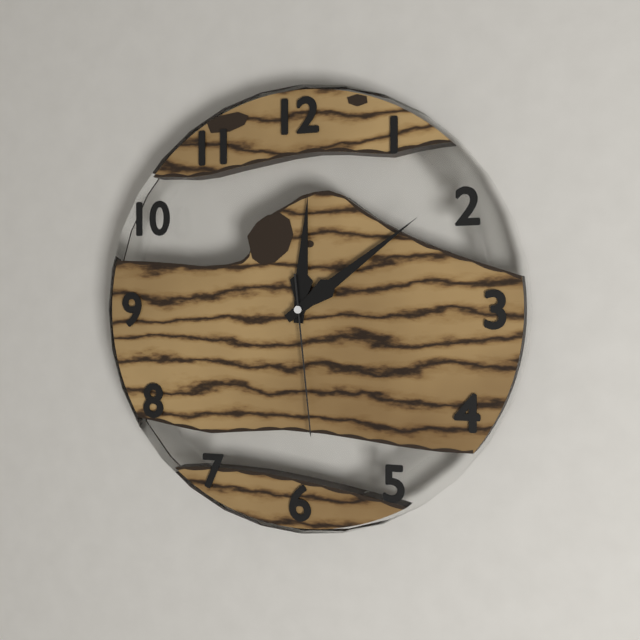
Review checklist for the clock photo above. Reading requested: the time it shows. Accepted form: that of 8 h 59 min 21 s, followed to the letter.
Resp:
12 h 09 min 29 s
